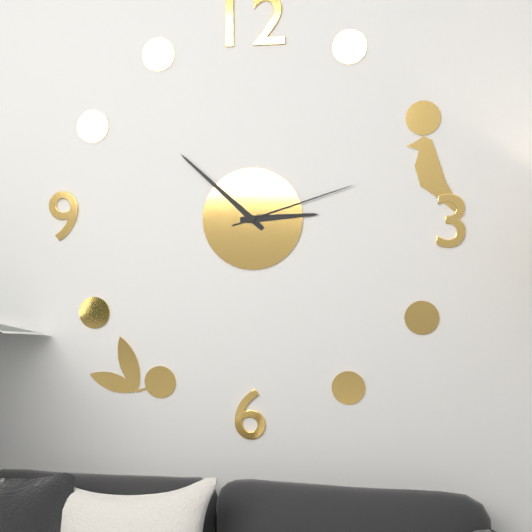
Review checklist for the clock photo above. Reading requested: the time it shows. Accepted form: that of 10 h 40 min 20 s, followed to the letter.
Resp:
2 h 52 min 12 s
